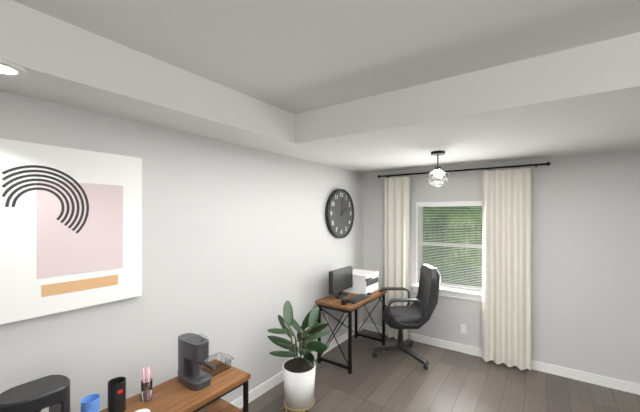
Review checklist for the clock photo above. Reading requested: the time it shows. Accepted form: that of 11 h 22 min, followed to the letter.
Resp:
2 h 01 min
